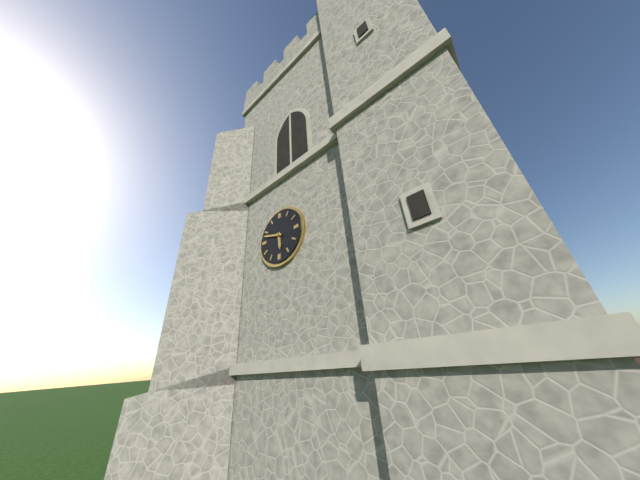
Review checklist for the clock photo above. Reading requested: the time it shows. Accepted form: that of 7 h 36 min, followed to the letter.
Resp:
5 h 48 min
